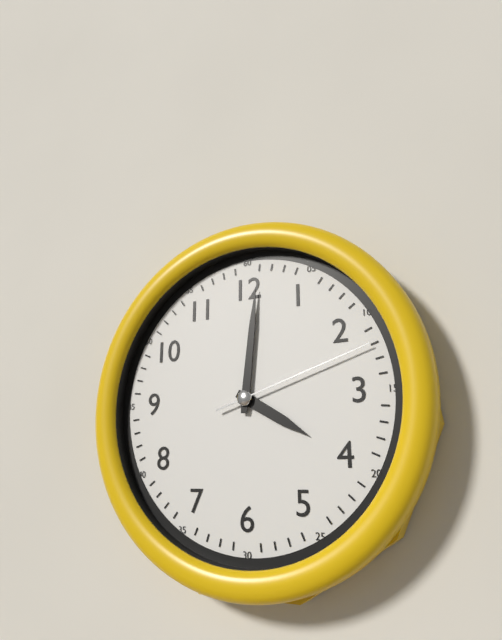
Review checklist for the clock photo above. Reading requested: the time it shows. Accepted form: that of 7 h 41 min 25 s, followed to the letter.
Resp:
4 h 01 min 12 s
